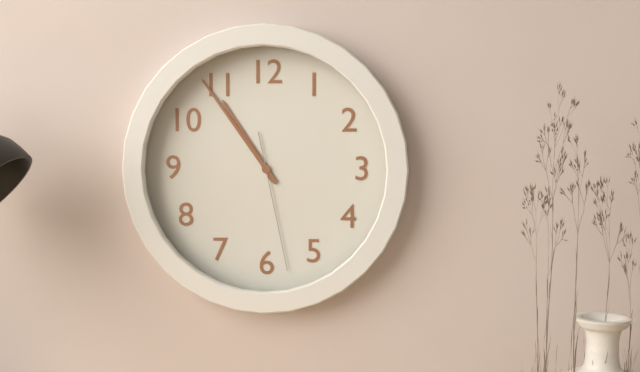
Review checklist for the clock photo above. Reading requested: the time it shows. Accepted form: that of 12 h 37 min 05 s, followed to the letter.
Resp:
10 h 54 min 28 s
